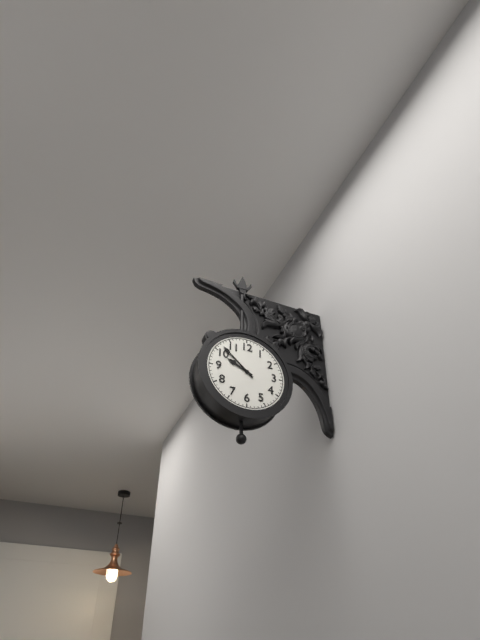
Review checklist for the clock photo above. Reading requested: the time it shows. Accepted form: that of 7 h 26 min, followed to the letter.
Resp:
9 h 52 min
